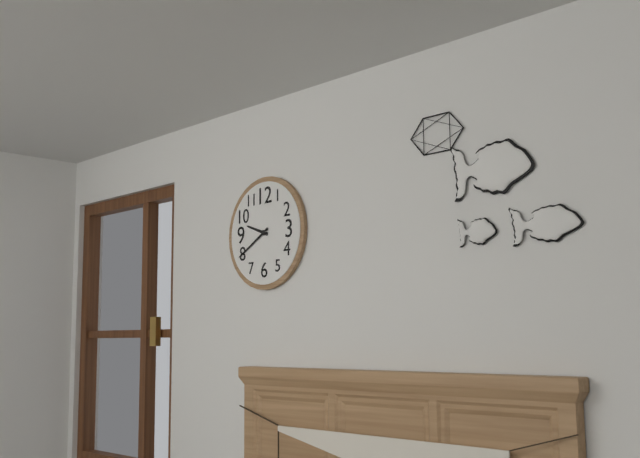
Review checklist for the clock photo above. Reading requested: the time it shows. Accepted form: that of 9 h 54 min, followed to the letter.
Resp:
9 h 40 min
